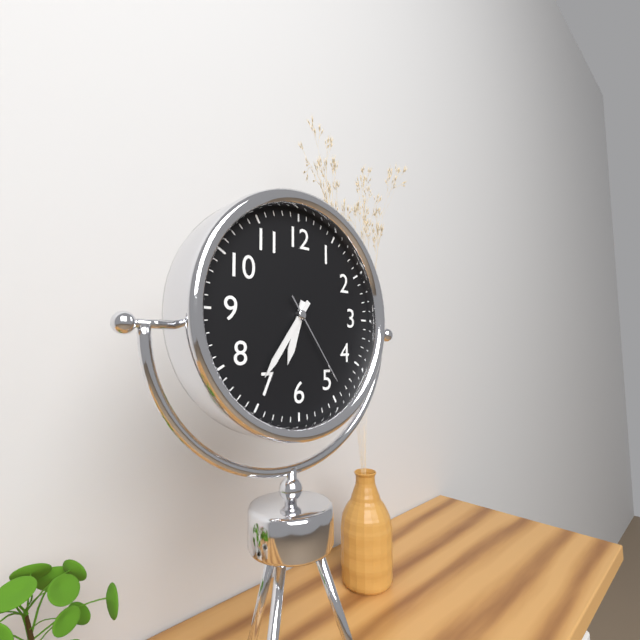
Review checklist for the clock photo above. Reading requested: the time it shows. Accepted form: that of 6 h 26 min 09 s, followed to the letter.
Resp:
6 h 36 min 24 s
